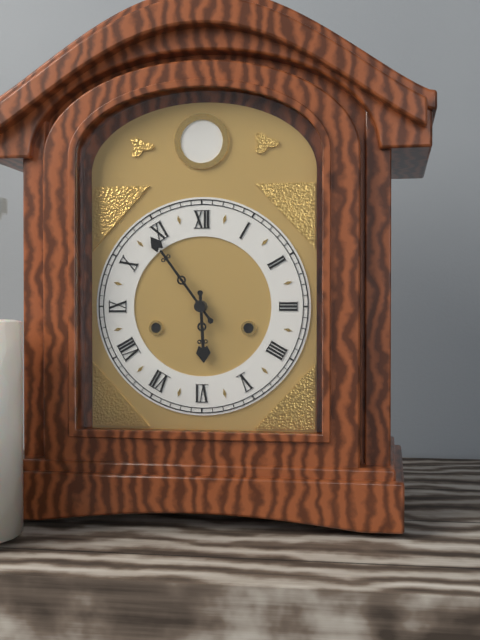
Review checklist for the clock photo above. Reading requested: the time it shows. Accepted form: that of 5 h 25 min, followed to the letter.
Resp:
5 h 54 min
